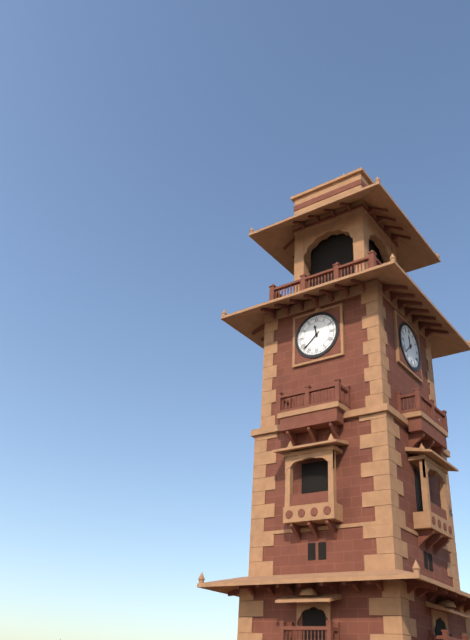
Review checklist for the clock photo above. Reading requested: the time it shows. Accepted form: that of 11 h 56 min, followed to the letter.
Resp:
11 h 38 min
